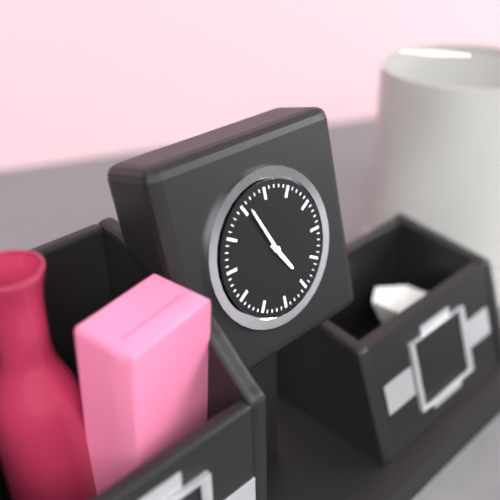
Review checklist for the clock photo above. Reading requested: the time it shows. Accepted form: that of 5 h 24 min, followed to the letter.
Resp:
4 h 56 min
